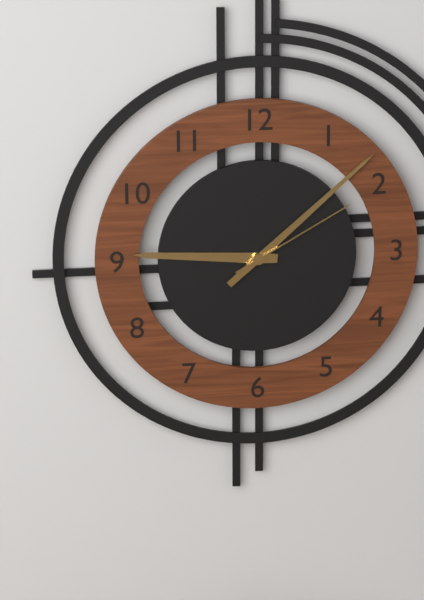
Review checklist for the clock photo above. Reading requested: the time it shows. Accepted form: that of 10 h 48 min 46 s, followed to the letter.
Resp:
9 h 08 min 10 s
